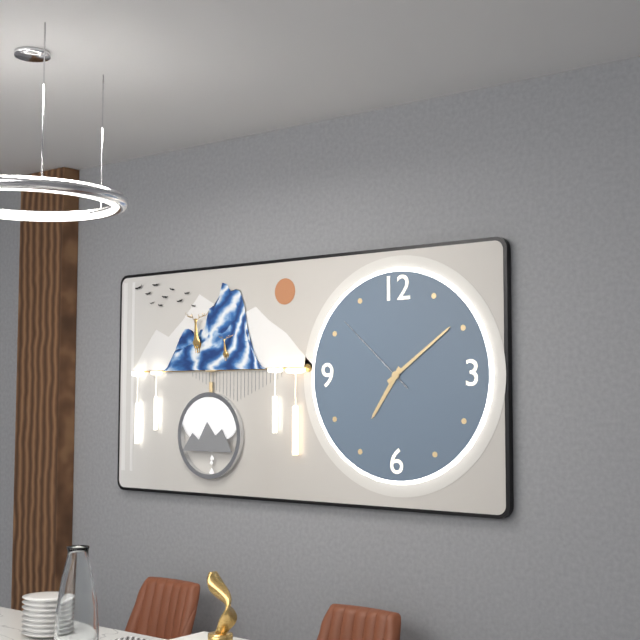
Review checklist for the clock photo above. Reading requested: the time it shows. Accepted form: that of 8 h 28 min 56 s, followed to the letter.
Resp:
7 h 09 min 52 s
